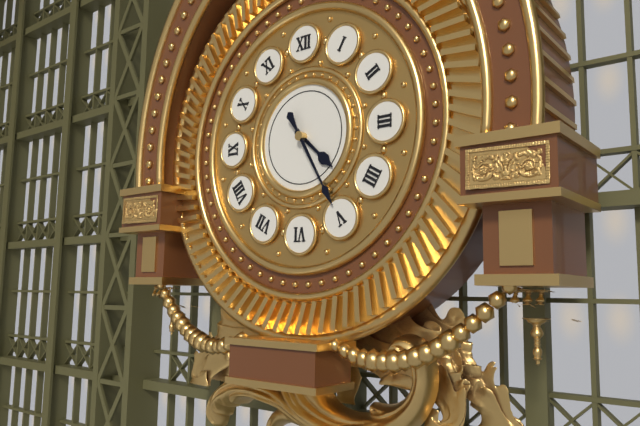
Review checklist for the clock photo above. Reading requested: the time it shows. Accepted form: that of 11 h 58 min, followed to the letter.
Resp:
4 h 25 min
